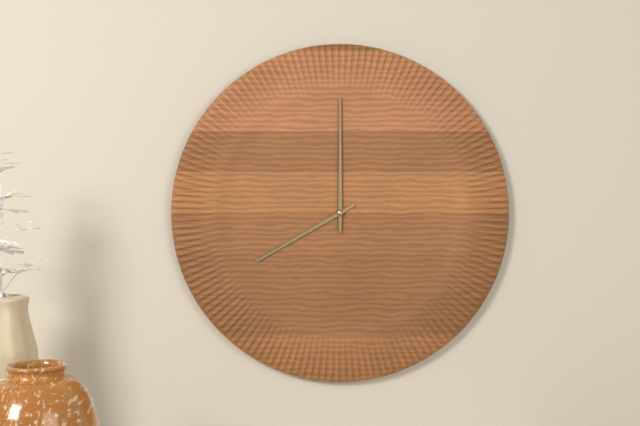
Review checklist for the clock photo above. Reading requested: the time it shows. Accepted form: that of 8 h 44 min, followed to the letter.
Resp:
8 h 00 min
